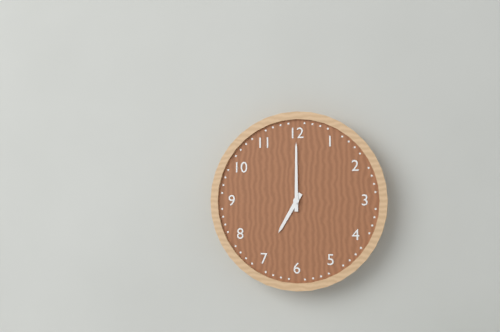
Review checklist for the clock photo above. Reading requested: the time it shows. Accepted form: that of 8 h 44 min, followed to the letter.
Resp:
7 h 00 min
